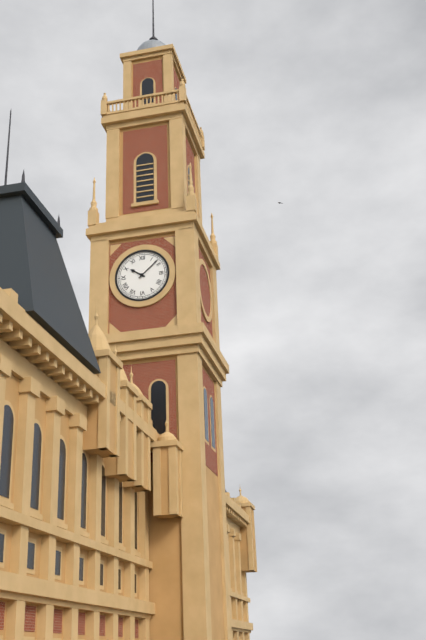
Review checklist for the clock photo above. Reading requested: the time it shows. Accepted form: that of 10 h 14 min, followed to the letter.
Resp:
10 h 08 min
